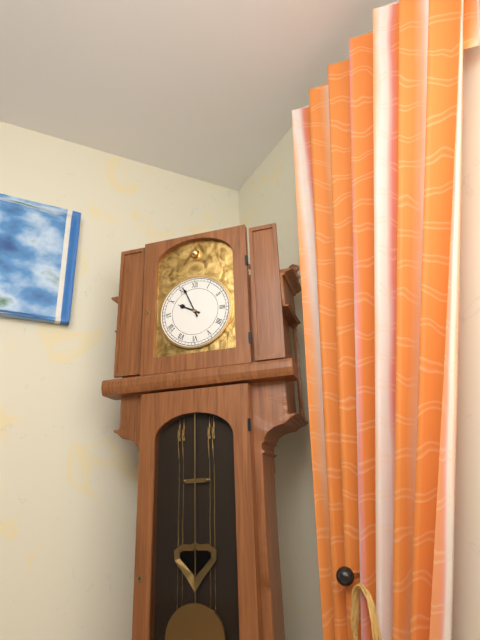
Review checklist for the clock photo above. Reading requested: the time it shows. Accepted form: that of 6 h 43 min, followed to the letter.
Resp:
9 h 56 min
